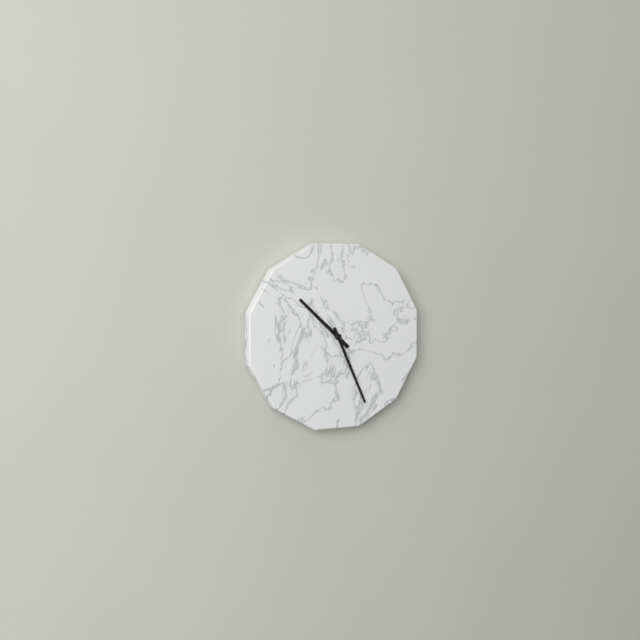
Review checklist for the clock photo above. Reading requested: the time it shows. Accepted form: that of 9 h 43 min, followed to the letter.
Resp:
10 h 26 min
